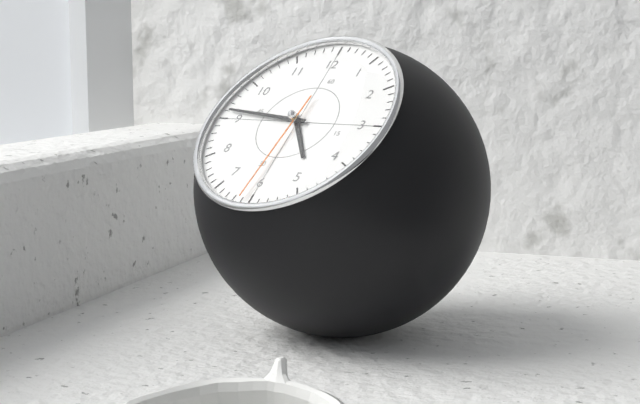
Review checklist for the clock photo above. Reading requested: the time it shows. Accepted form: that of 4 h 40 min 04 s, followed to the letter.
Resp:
4 h 46 min 31 s
